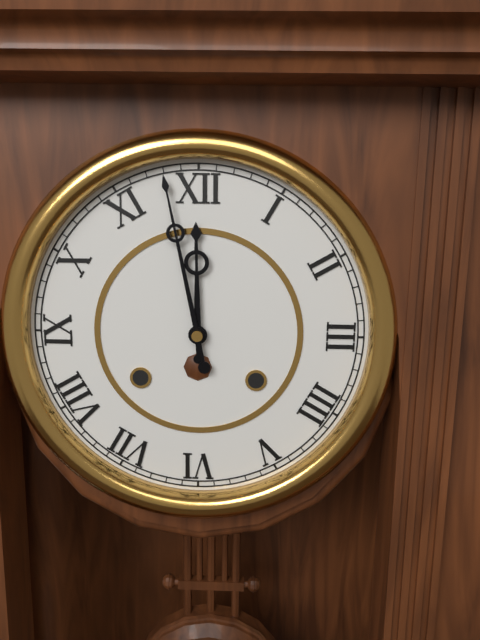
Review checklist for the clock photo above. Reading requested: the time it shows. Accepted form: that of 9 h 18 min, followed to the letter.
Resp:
11 h 58 min
